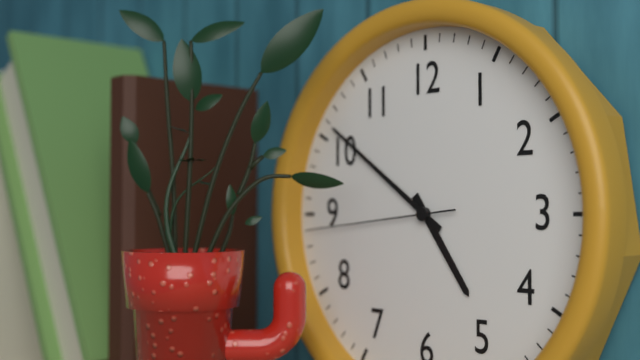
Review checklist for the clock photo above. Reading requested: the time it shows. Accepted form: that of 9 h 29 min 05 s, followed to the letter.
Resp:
4 h 51 min 44 s
